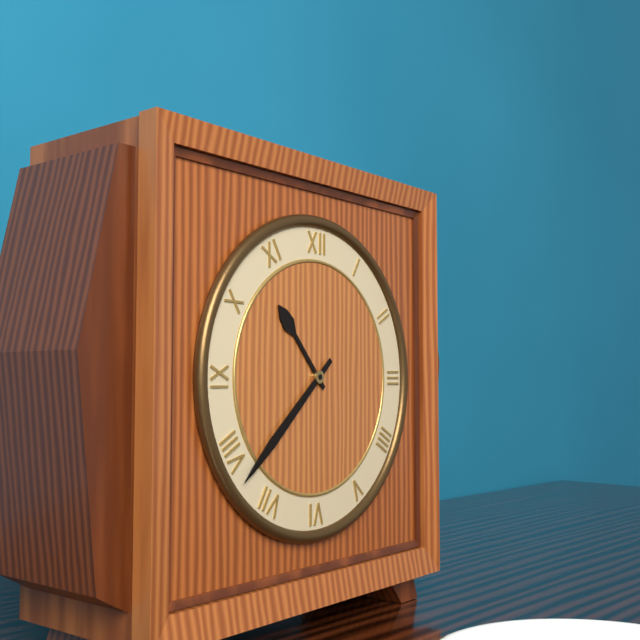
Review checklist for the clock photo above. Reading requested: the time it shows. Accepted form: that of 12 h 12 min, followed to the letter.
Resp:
10 h 38 min
